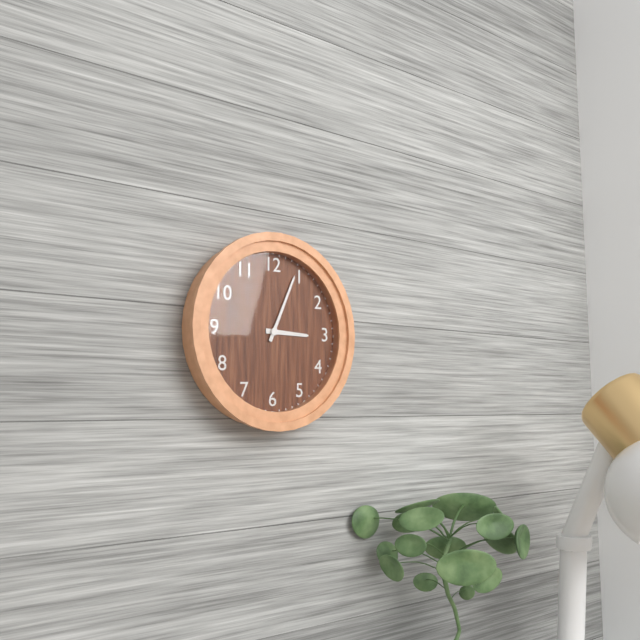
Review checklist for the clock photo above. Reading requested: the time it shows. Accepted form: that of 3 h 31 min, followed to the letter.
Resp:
3 h 04 min
